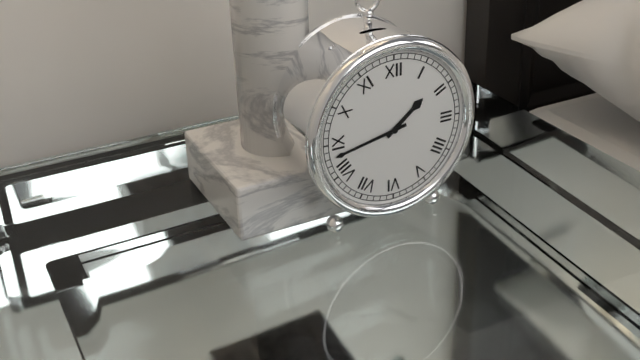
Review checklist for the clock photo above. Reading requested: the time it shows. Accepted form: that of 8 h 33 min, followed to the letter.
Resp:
1 h 43 min
